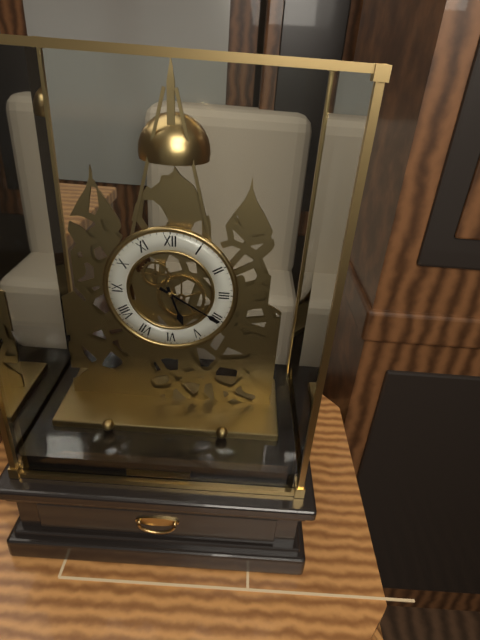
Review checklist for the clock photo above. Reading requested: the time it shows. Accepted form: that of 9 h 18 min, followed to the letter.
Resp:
5 h 20 min
